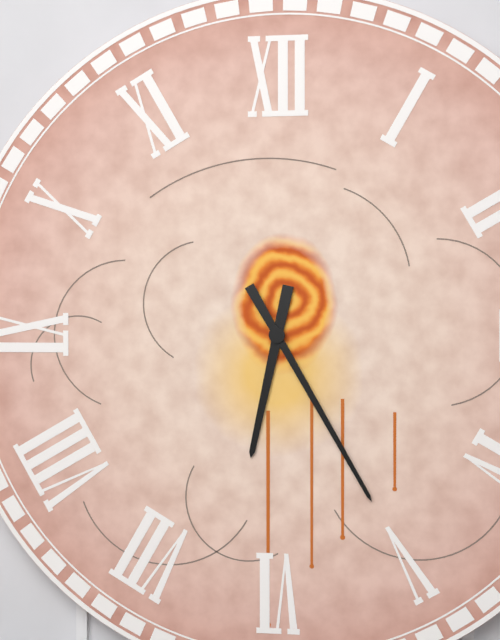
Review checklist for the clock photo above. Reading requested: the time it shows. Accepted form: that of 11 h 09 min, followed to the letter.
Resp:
6 h 25 min
